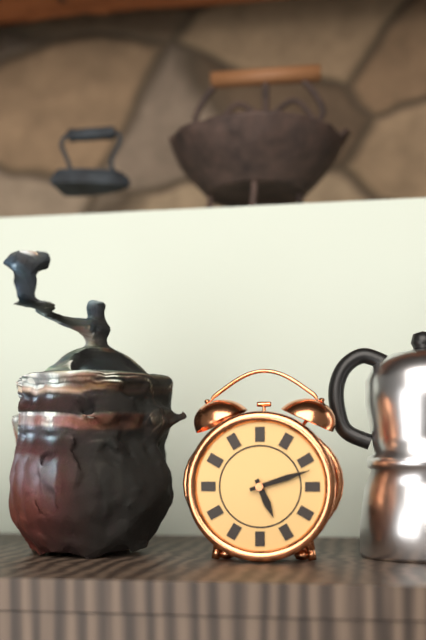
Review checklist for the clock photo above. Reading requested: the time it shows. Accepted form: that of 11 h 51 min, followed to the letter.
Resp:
5 h 12 min
